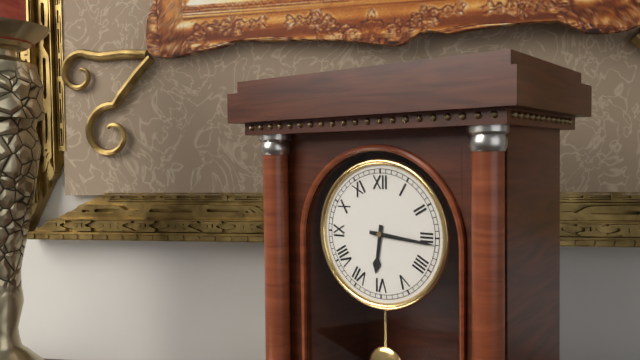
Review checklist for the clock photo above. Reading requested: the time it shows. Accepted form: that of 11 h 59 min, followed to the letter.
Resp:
6 h 16 min
